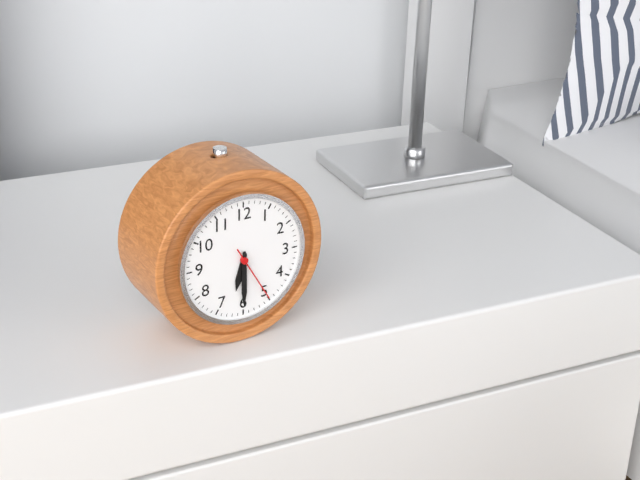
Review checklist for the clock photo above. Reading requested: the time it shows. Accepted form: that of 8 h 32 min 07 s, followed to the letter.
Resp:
6 h 30 min 25 s
